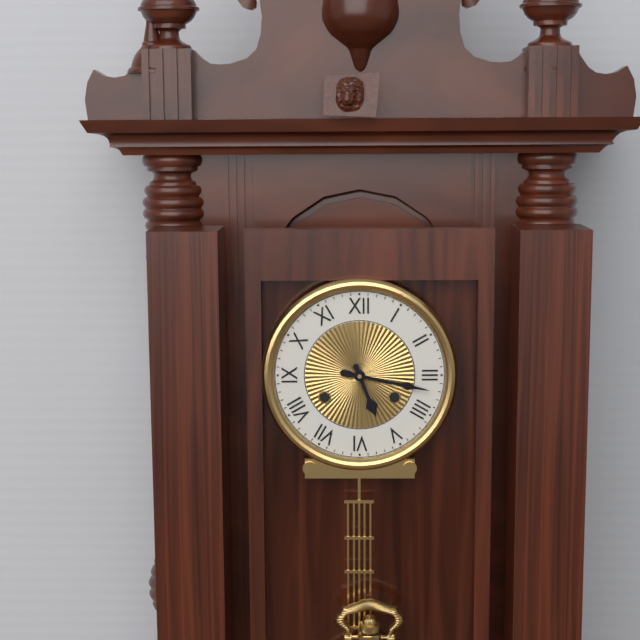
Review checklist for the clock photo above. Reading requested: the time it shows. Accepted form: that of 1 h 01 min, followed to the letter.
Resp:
5 h 17 min
